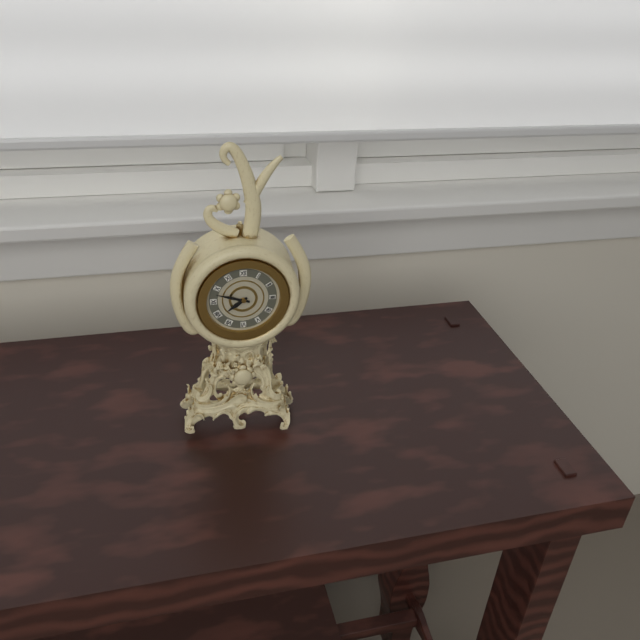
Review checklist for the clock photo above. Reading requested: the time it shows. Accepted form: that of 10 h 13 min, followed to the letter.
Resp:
7 h 48 min
